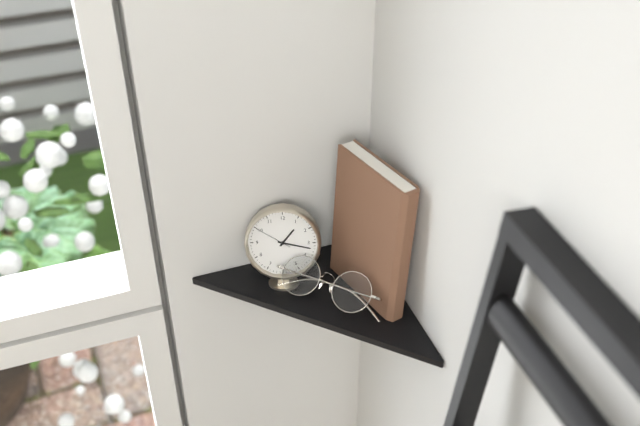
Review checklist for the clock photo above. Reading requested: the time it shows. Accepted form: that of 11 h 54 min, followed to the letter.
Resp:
1 h 17 min
